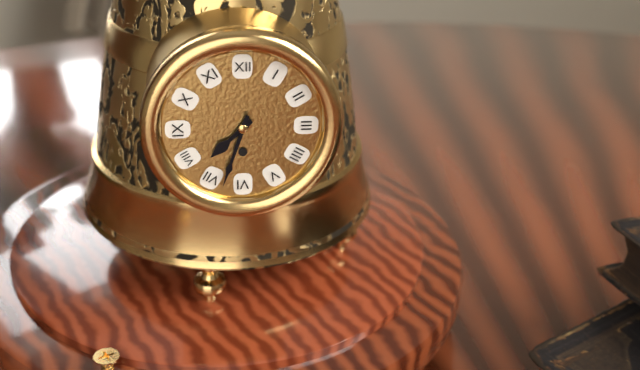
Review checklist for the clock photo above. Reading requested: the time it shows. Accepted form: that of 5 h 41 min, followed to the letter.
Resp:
7 h 33 min
